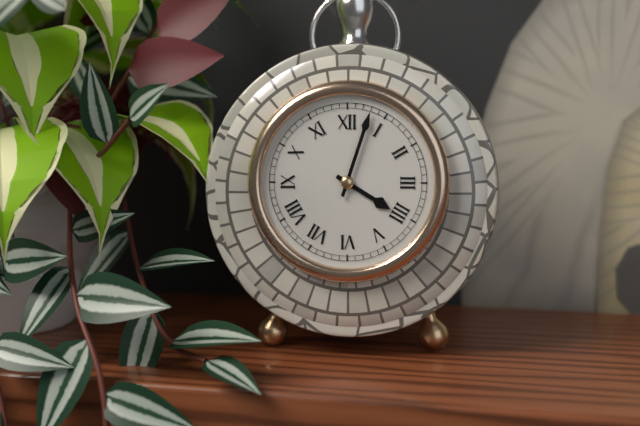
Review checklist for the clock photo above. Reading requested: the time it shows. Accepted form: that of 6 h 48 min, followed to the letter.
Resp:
4 h 03 min
